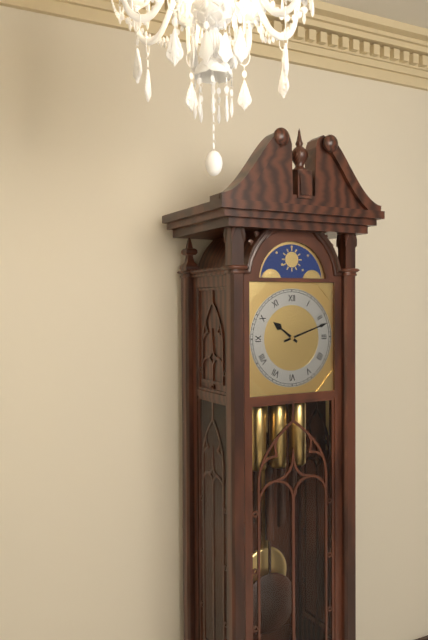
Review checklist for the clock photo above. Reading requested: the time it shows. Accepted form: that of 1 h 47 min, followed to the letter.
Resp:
10 h 12 min
